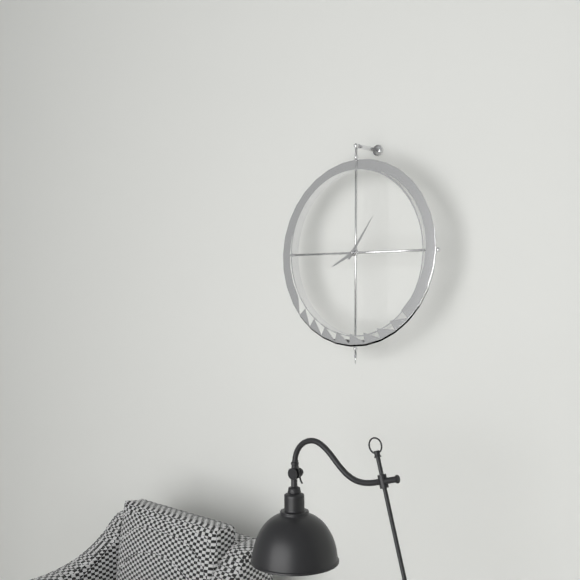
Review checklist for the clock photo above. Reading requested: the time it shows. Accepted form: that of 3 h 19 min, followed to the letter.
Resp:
8 h 06 min
